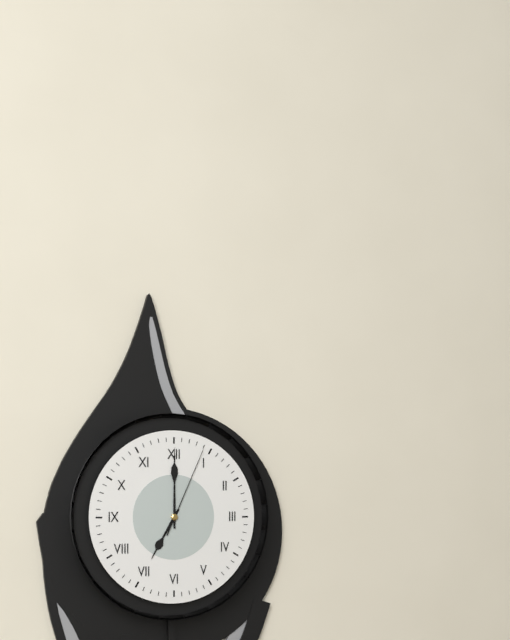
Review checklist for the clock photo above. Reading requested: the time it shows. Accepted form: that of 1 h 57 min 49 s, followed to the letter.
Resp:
7 h 00 min 04 s
